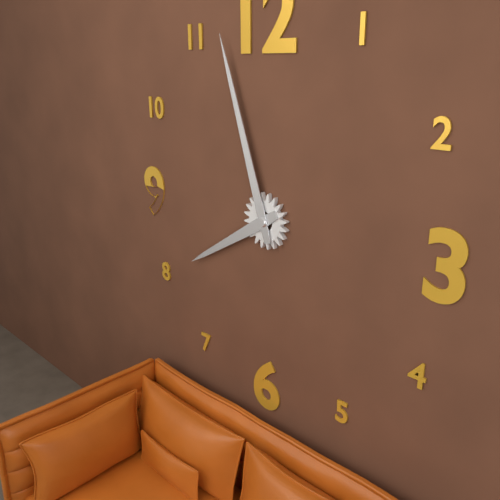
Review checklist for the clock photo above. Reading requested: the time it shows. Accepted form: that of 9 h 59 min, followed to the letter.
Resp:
7 h 57 min
